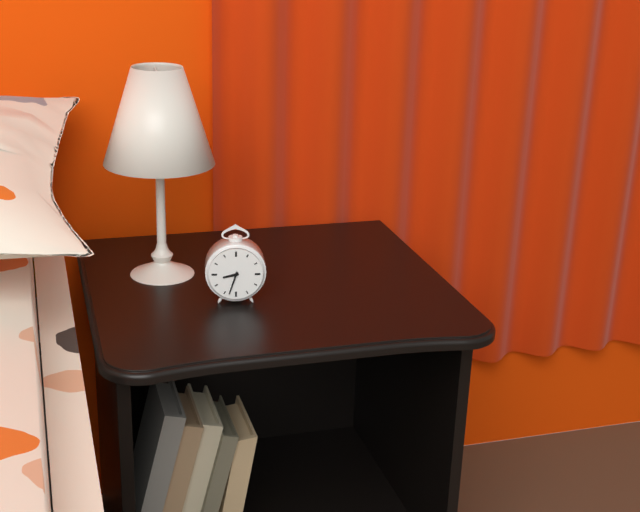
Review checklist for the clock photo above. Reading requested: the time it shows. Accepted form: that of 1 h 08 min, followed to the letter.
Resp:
8 h 33 min
